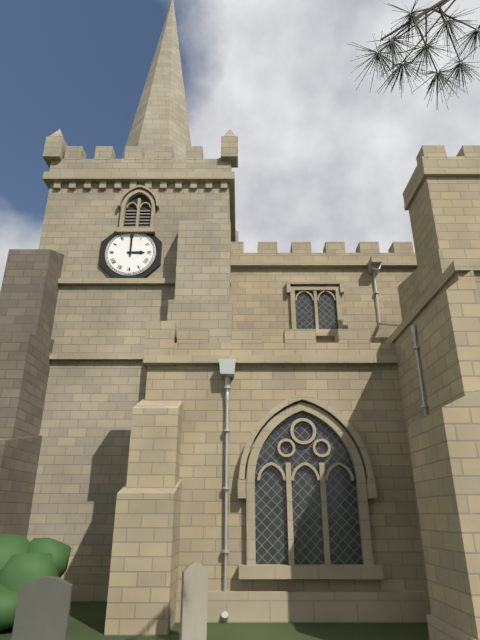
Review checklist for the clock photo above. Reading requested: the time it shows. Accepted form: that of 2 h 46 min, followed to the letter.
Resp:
3 h 00 min
